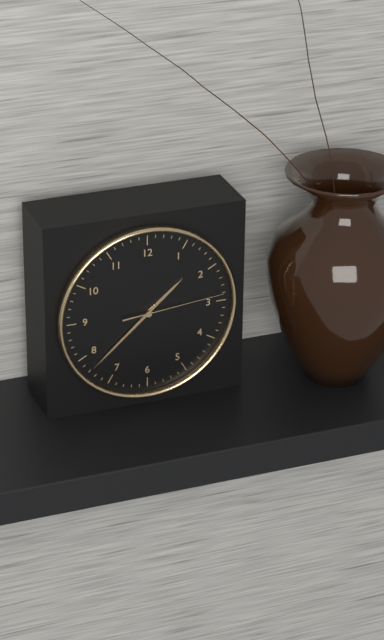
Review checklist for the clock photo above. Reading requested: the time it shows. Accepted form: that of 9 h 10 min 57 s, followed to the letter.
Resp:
1 h 38 min 14 s
